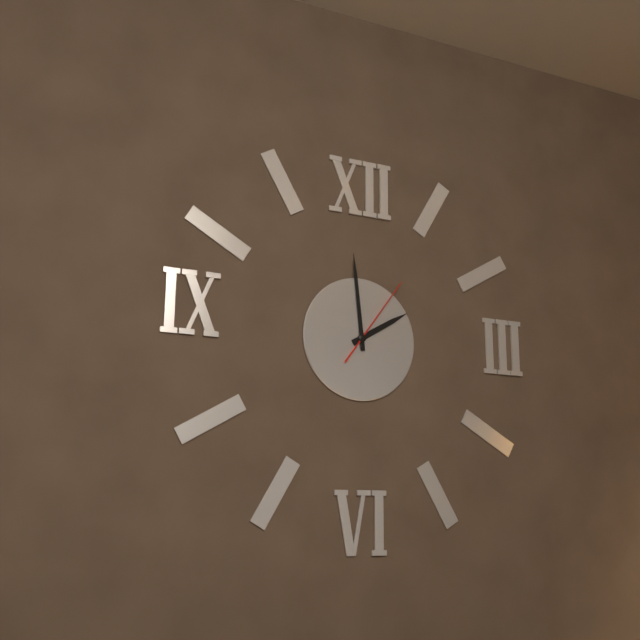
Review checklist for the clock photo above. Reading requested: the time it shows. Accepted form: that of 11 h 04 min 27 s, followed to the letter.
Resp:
1 h 59 min 06 s
